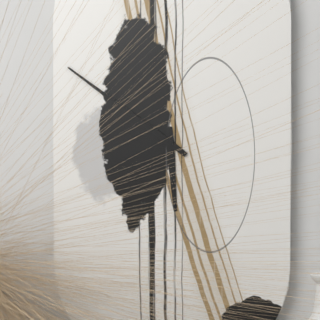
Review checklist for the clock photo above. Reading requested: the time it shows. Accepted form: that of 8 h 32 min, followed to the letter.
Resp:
5 h 51 min
